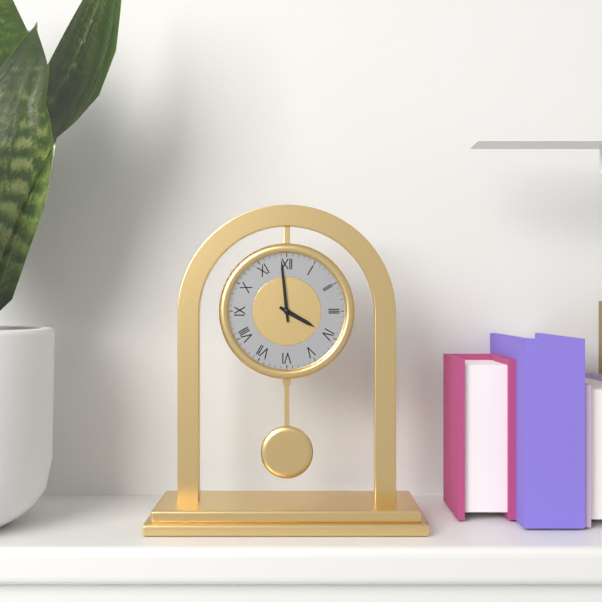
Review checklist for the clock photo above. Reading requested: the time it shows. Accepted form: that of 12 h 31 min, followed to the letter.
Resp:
3 h 59 min
